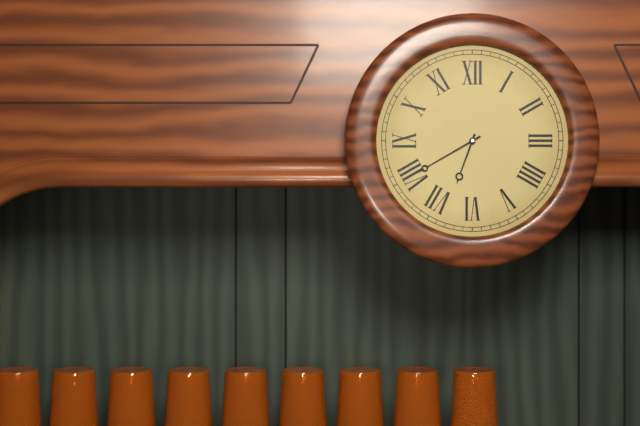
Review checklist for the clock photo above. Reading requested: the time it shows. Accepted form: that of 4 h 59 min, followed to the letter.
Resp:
6 h 40 min
